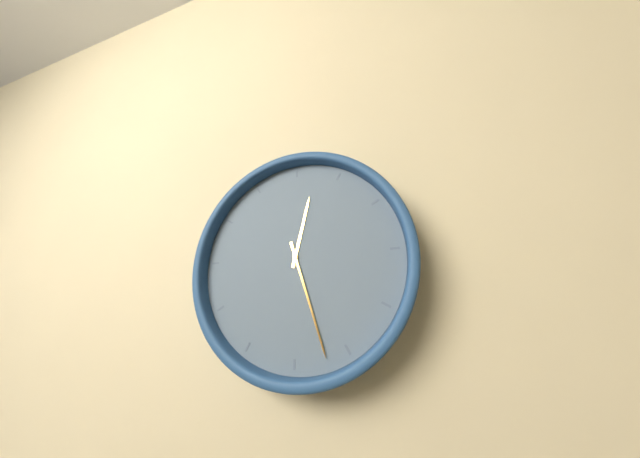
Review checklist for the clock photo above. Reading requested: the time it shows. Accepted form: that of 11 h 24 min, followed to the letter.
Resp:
12 h 27 min
